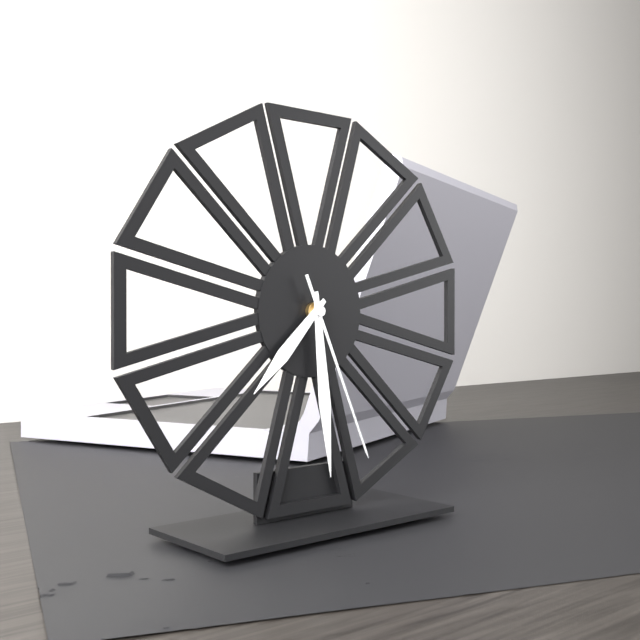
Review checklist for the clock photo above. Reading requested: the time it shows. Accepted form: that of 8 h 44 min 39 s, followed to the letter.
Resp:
7 h 29 min 26 s
